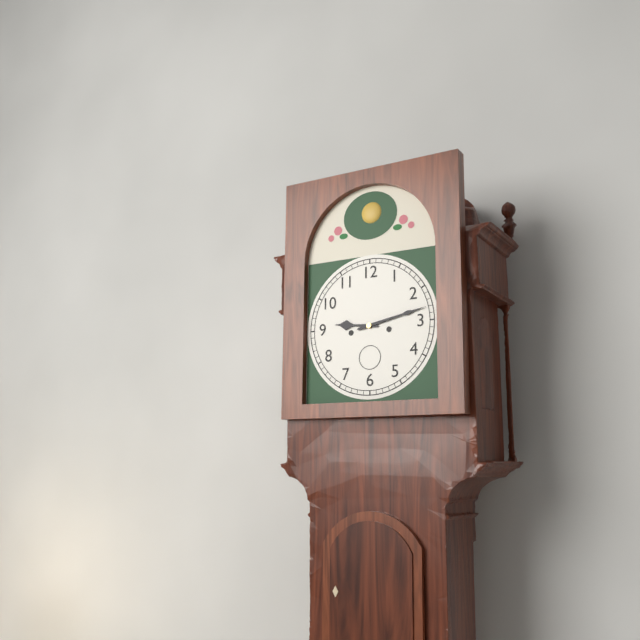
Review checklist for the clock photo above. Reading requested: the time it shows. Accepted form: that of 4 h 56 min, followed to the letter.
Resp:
9 h 13 min
